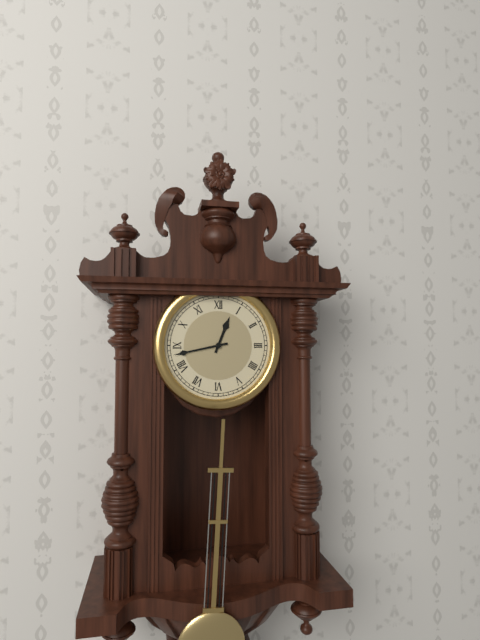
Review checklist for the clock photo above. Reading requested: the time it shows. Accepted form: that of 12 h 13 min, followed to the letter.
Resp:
12 h 43 min
